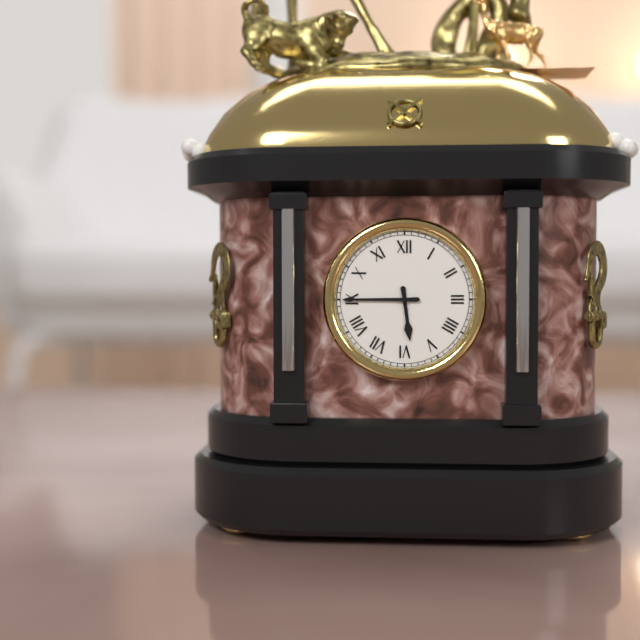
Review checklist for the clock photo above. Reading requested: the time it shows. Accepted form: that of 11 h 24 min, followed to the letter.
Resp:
5 h 45 min
